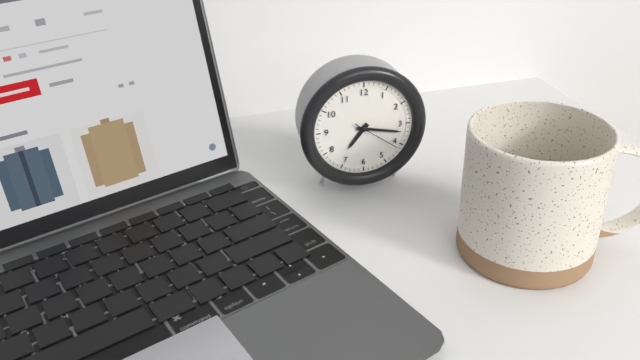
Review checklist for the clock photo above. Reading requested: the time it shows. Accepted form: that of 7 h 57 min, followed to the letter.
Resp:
7 h 17 min
